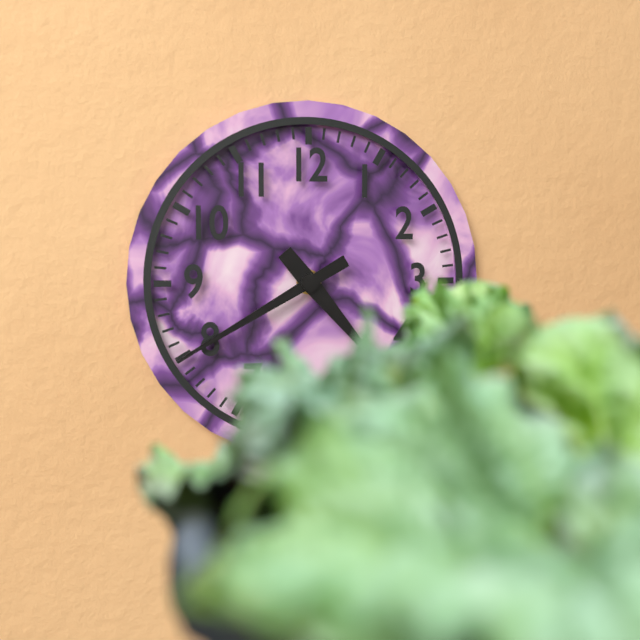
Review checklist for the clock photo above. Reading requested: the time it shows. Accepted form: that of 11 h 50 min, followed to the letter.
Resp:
4 h 40 min
